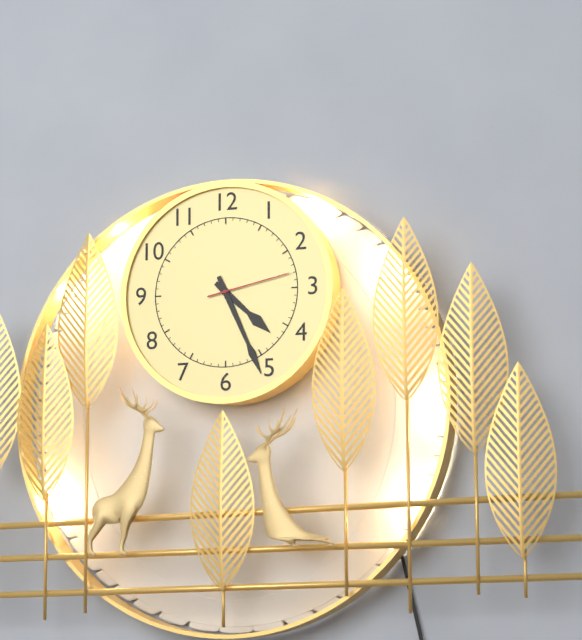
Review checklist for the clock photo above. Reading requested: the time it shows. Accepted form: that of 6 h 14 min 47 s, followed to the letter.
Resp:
4 h 26 min 13 s
